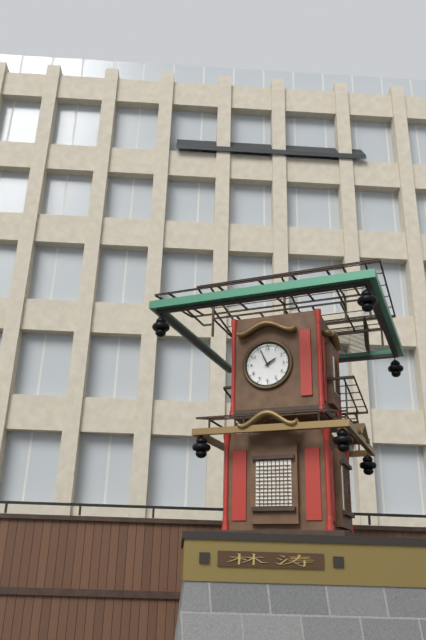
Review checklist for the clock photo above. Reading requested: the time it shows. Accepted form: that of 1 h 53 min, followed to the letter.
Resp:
1 h 56 min
